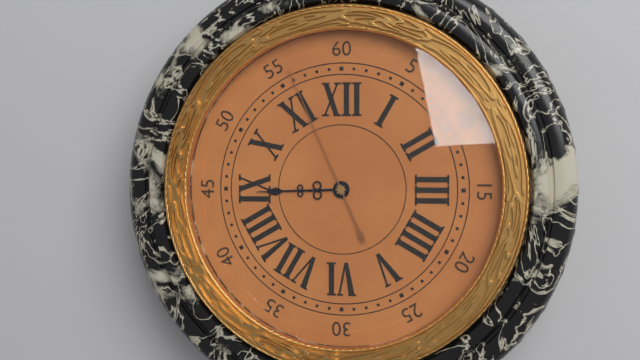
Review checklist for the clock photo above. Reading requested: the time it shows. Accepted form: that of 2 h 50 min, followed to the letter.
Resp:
8 h 56 min
